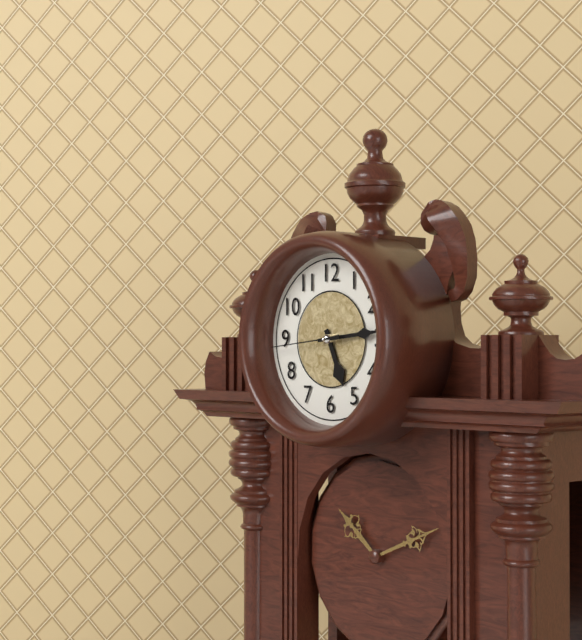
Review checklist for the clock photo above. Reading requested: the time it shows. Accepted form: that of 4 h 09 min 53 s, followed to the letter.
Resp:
5 h 14 min 44 s
